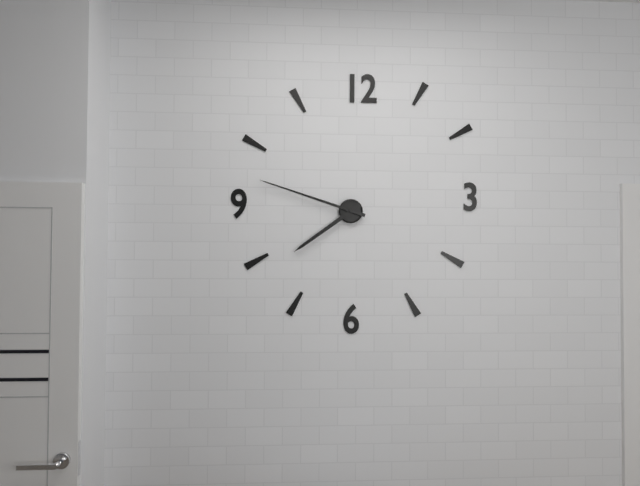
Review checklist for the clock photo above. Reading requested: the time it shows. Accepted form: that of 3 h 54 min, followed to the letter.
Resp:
7 h 48 min
